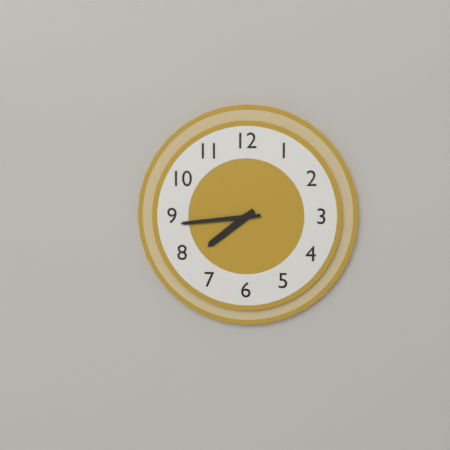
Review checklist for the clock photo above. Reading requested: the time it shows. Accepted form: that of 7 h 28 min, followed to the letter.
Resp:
7 h 44 min
